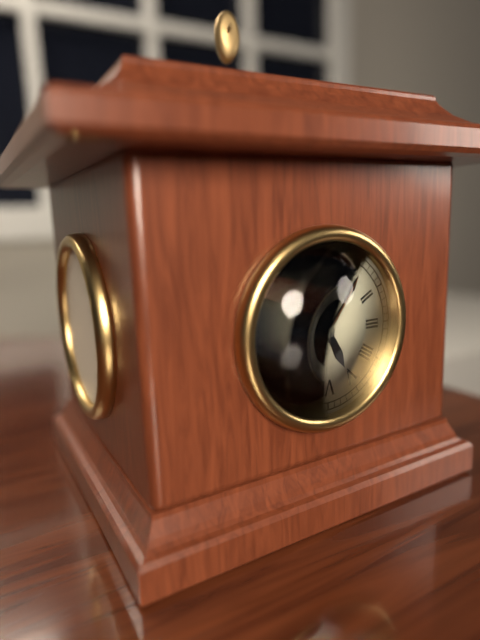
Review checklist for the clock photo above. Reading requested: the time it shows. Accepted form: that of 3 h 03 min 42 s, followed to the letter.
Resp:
5 h 06 min 06 s
